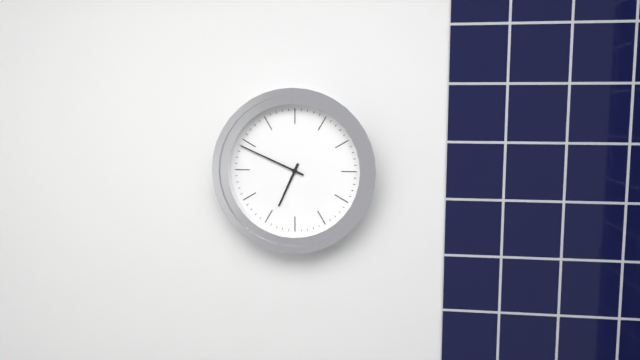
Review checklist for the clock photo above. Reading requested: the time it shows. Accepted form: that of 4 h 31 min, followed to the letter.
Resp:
6 h 49 min
